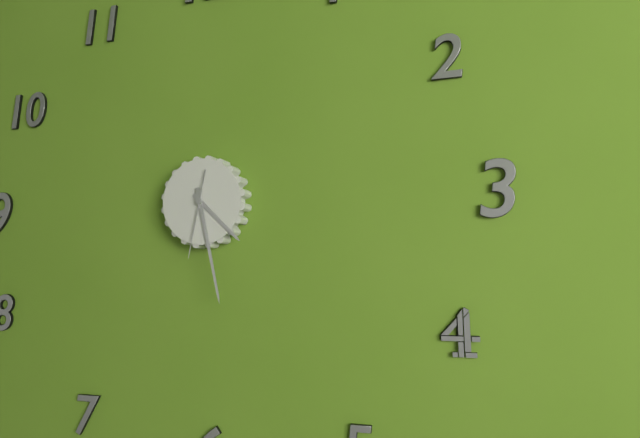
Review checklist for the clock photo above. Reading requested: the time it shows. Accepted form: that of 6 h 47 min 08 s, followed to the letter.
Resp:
4 h 28 min 32 s
